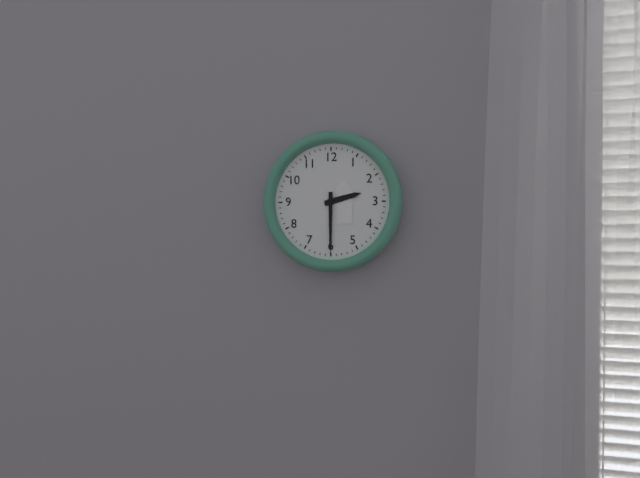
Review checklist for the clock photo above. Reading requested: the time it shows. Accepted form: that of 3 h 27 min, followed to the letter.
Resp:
2 h 30 min
